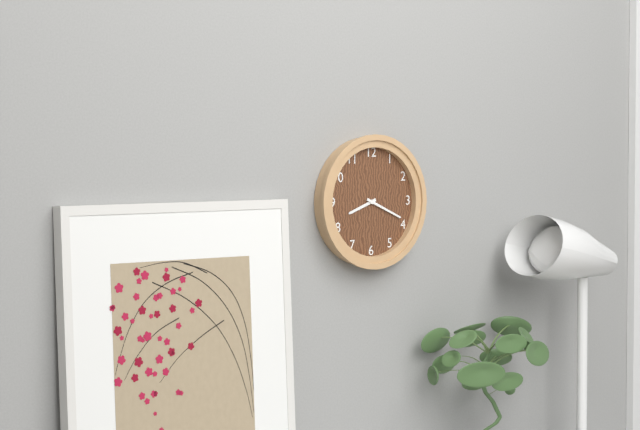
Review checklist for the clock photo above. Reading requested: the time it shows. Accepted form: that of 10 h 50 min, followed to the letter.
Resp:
8 h 19 min
